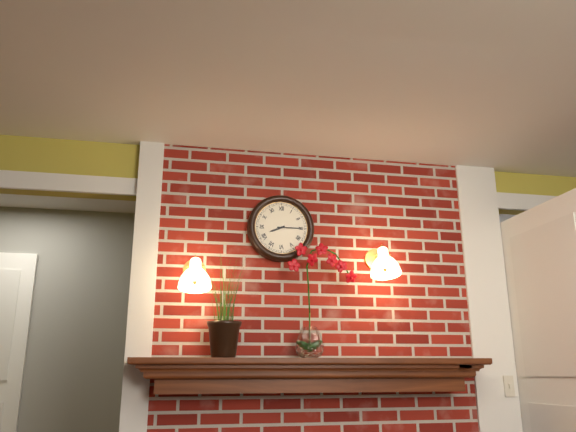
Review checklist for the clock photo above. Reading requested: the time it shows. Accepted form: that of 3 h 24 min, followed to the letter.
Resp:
8 h 15 min
